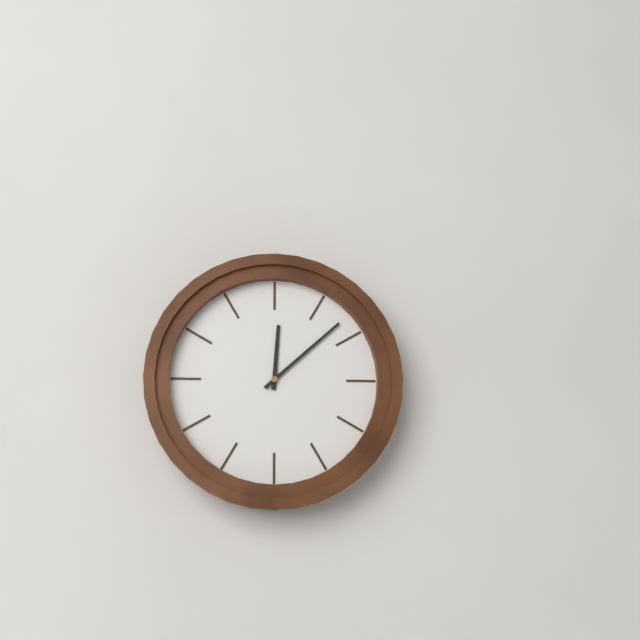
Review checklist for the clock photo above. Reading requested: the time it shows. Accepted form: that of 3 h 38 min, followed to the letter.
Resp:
12 h 08 min
